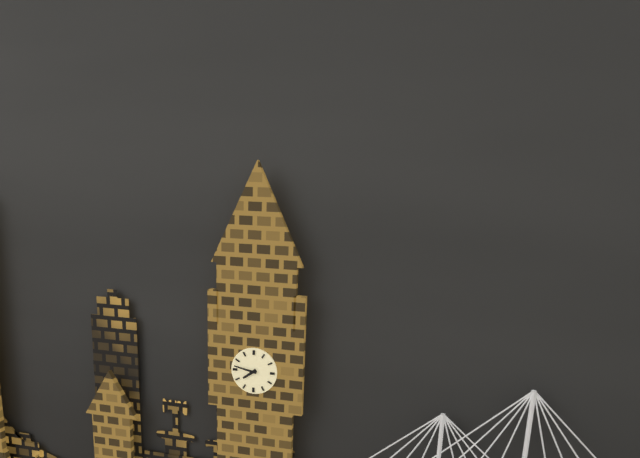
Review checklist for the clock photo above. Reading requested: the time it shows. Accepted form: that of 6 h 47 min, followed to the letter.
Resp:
7 h 47 min
